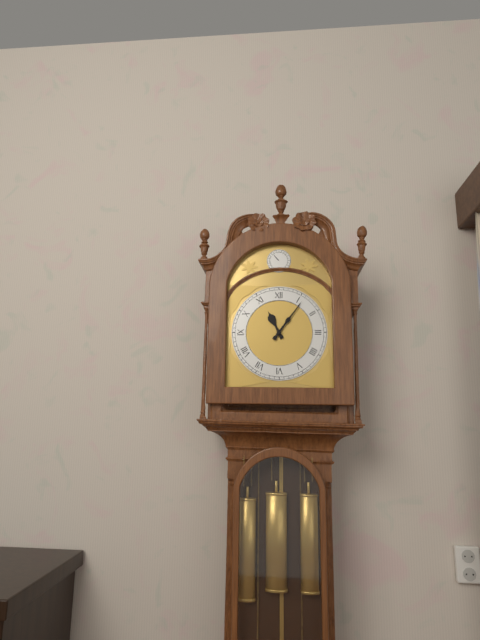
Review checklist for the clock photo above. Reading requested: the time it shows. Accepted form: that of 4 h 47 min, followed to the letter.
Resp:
11 h 06 min
